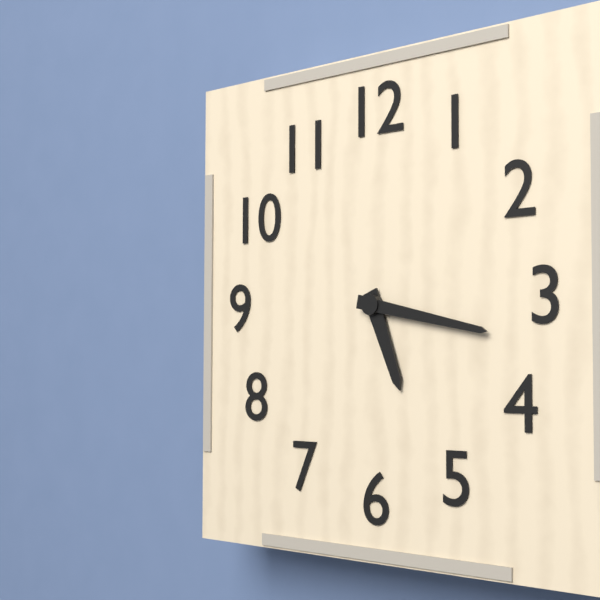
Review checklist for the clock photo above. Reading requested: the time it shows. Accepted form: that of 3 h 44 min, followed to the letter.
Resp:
5 h 17 min
